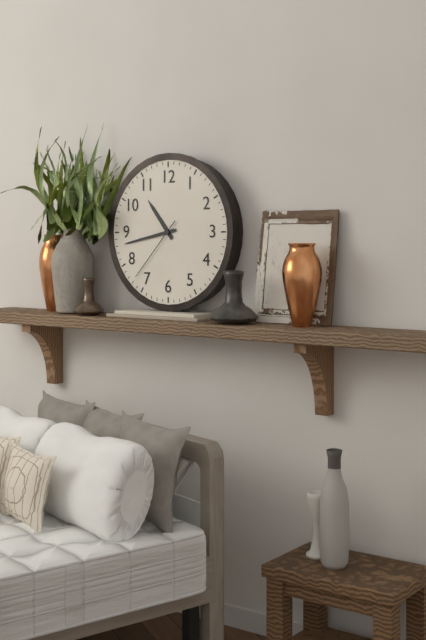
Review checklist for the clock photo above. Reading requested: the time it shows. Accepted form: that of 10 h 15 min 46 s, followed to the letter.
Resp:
10 h 43 min 37 s
